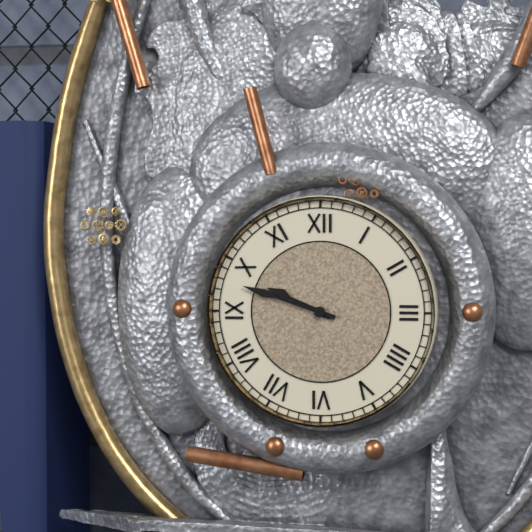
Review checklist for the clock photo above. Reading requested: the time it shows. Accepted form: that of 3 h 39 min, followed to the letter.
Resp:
9 h 48 min
